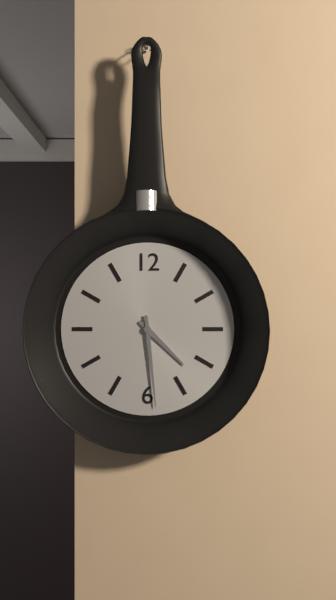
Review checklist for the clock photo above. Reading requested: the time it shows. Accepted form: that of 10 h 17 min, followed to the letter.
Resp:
4 h 29 min
